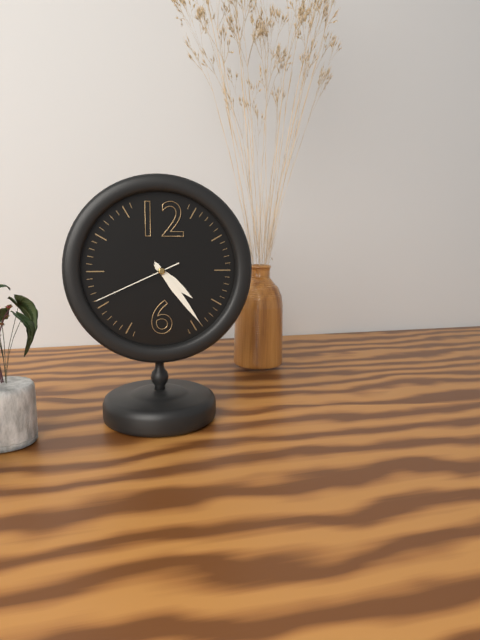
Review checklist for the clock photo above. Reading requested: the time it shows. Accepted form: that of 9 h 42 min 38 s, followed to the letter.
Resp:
4 h 24 min 41 s
